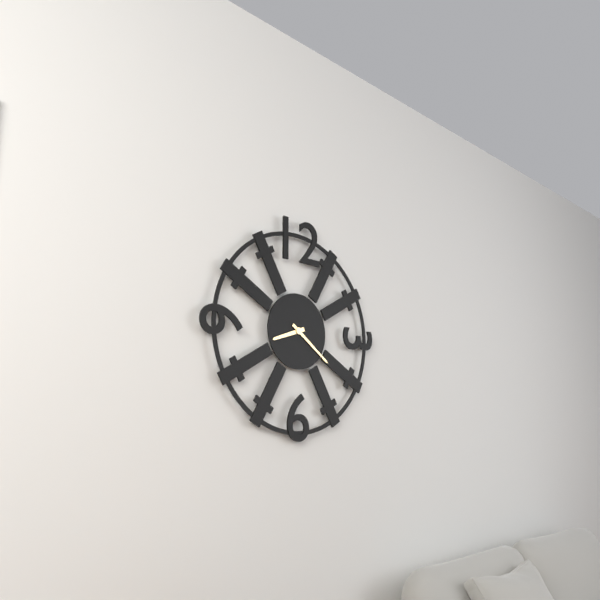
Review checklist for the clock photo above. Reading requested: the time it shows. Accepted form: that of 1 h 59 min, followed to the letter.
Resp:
8 h 21 min
